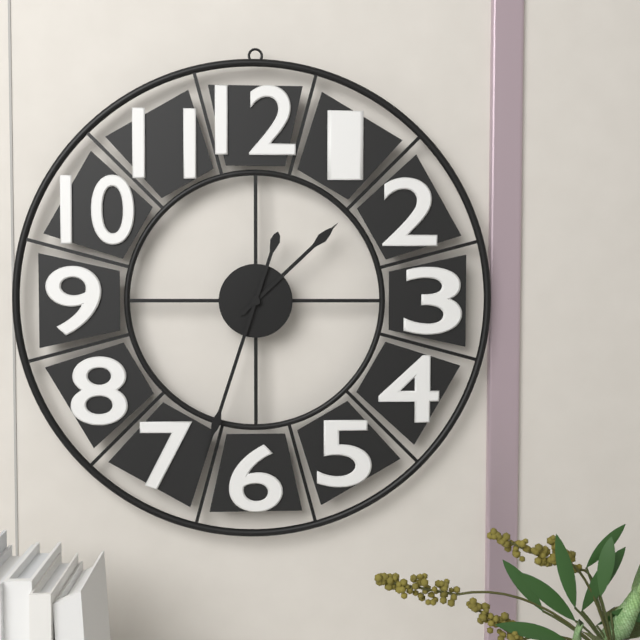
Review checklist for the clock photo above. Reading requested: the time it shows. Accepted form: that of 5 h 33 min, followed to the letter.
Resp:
1 h 33 min
